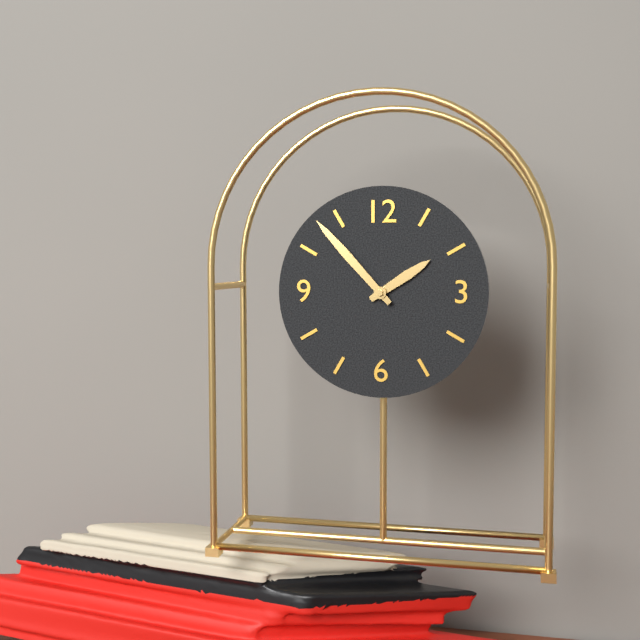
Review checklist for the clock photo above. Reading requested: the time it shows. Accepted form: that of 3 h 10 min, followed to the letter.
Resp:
1 h 53 min
